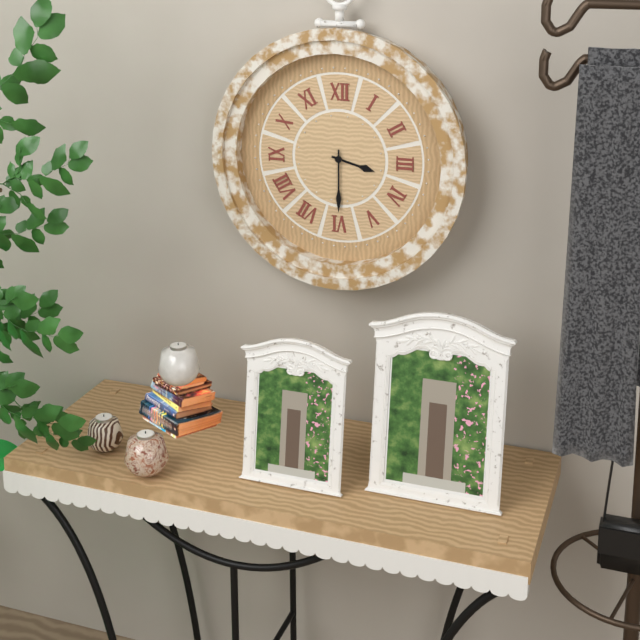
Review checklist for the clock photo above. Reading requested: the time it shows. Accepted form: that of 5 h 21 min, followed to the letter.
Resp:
3 h 30 min
